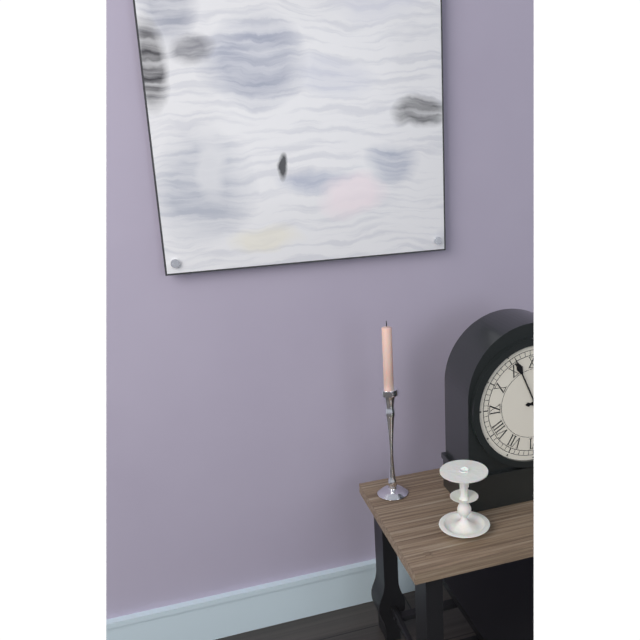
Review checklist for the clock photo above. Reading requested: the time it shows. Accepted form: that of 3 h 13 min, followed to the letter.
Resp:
2 h 56 min
